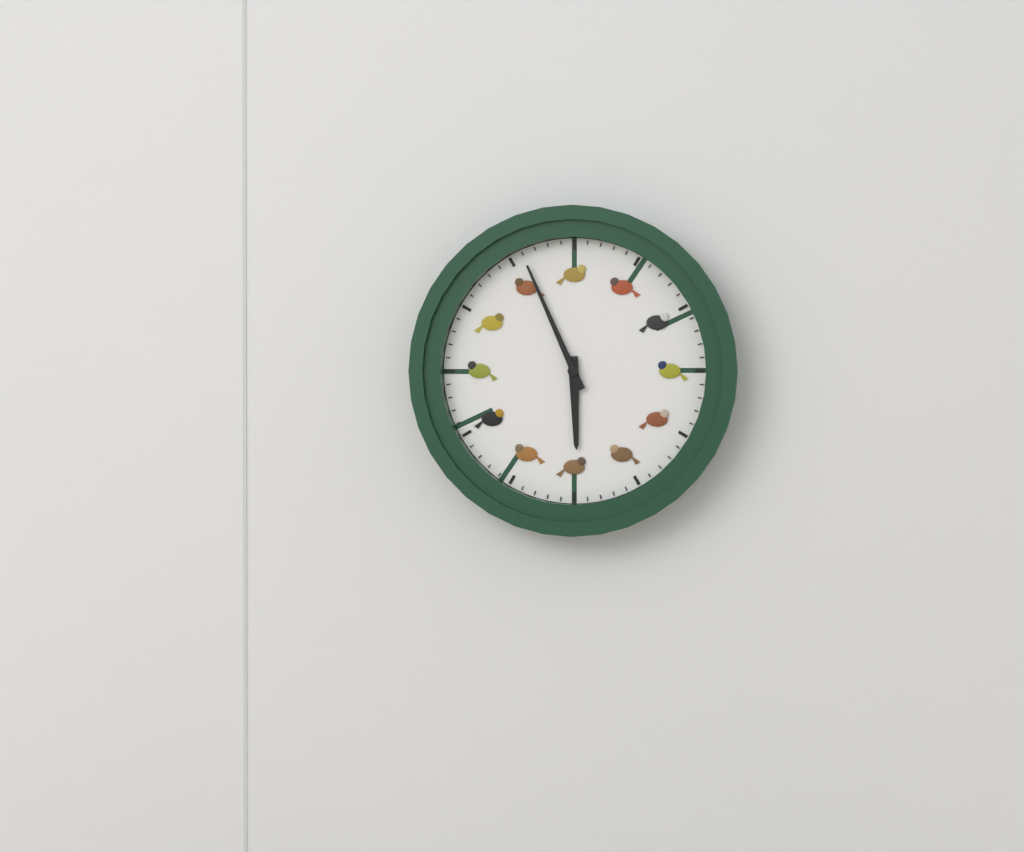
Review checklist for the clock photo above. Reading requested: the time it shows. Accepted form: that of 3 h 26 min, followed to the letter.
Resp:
5 h 56 min
